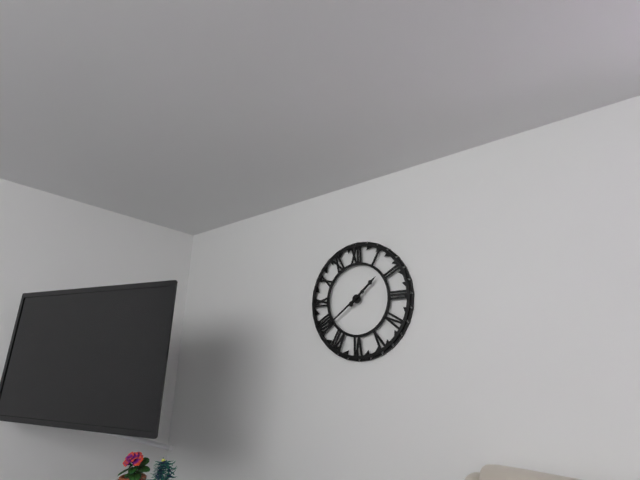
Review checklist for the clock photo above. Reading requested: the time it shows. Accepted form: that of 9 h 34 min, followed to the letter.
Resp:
1 h 39 min
